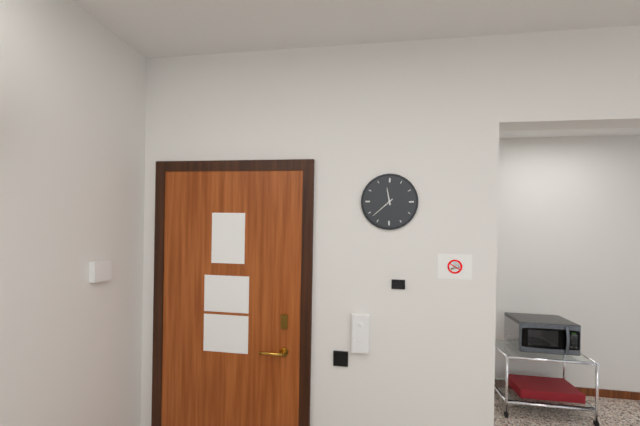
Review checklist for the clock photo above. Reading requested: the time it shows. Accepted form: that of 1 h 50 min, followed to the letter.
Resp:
11 h 38 min
